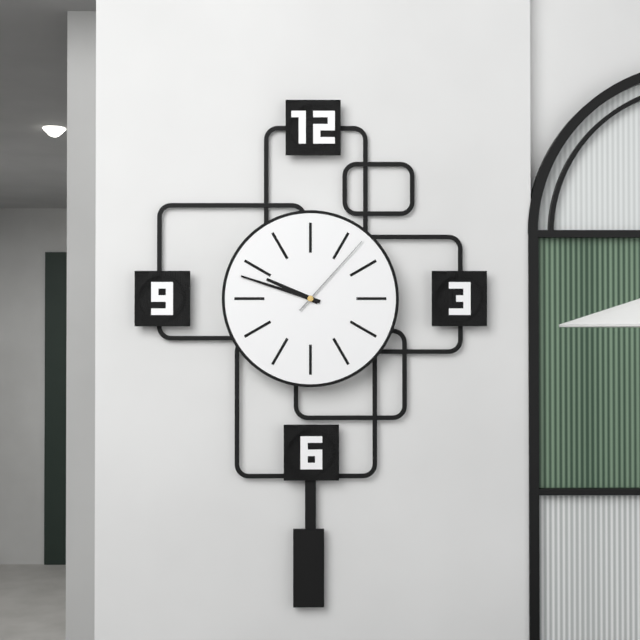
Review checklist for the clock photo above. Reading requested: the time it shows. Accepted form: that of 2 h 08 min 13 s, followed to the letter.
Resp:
9 h 48 min 07 s
